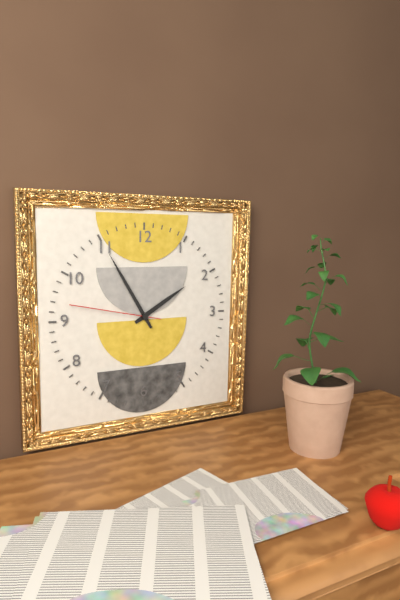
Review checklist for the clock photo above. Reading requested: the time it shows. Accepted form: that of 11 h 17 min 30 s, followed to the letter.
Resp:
1 h 55 min 47 s
